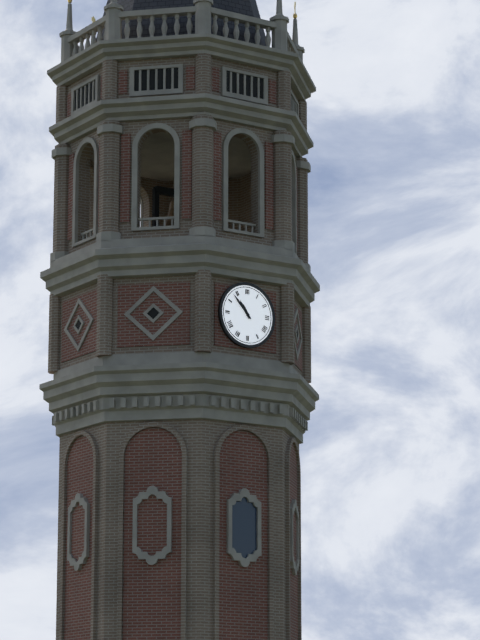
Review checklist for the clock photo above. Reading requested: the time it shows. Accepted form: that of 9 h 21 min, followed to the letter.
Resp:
10 h 53 min
